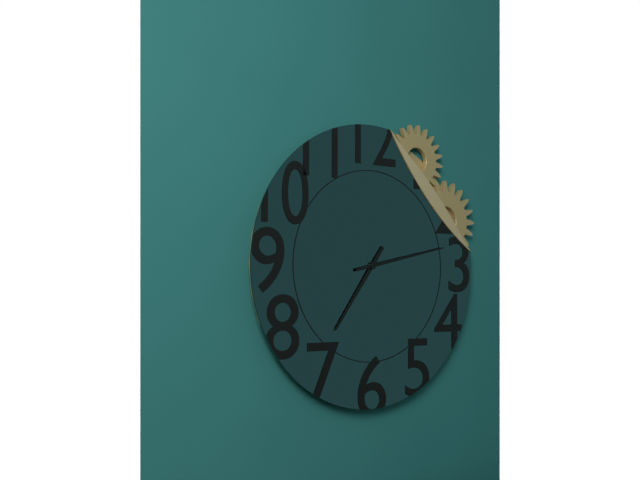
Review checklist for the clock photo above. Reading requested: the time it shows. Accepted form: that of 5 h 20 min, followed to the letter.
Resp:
7 h 13 min
